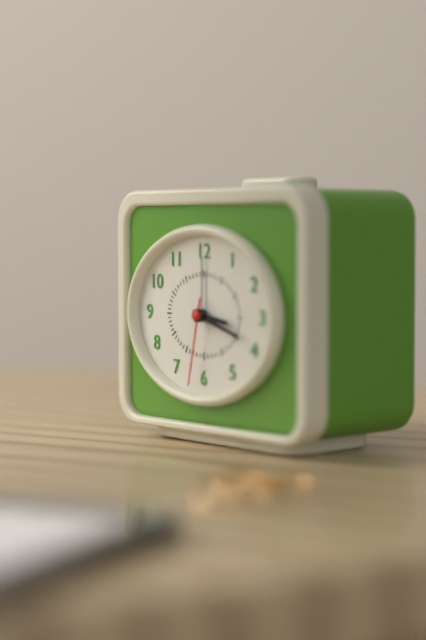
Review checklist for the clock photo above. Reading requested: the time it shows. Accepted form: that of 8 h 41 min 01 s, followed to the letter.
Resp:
3 h 18 min 32 s
